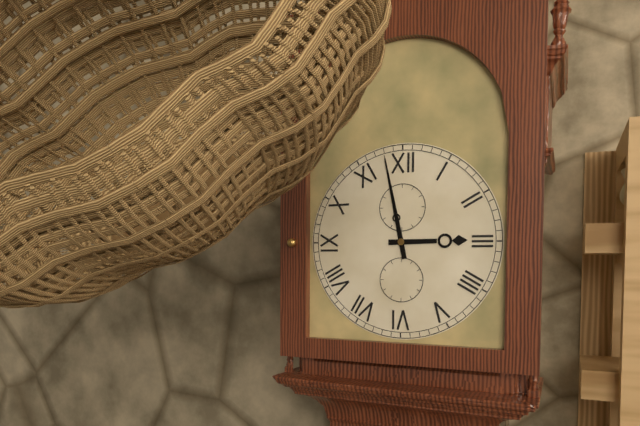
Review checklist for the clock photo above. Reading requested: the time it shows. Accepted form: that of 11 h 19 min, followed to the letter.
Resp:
2 h 58 min
